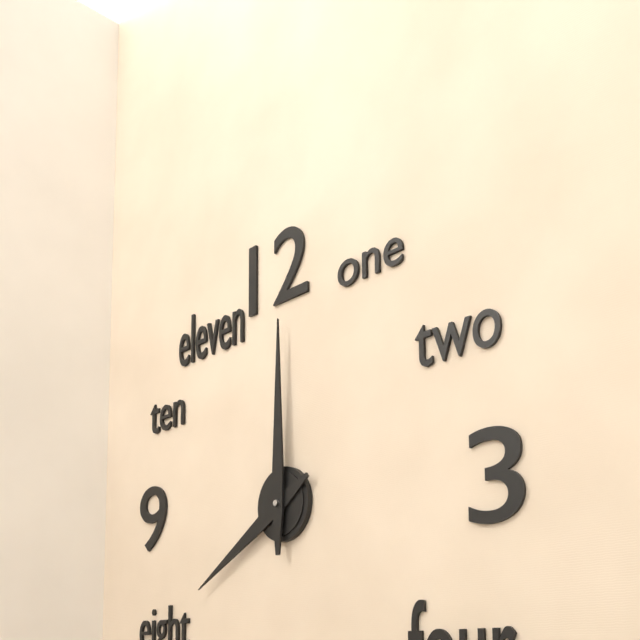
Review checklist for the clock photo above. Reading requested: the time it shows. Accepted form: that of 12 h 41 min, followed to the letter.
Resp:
8 h 00 min
